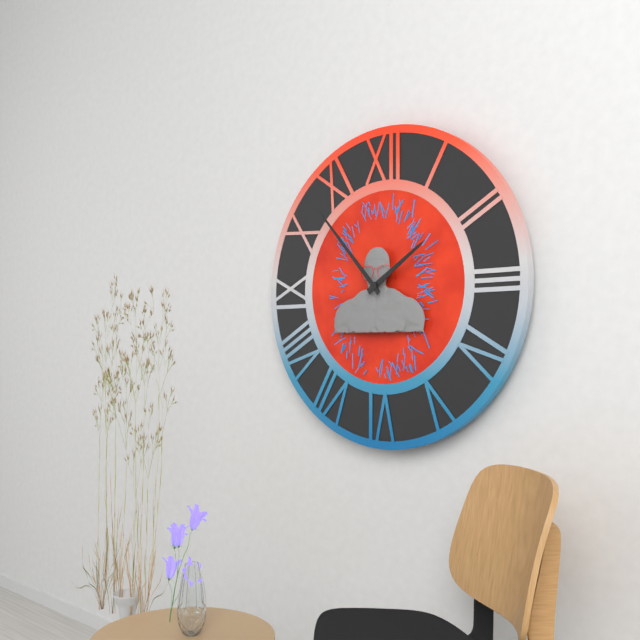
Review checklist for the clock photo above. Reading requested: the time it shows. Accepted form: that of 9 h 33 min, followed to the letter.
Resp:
1 h 53 min
